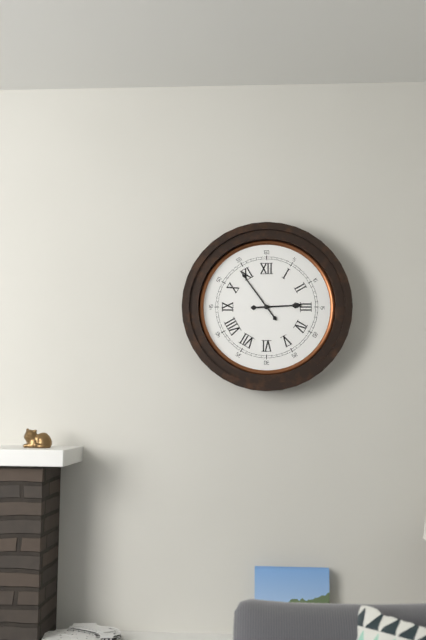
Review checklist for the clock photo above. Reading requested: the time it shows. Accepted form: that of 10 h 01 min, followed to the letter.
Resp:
2 h 54 min
